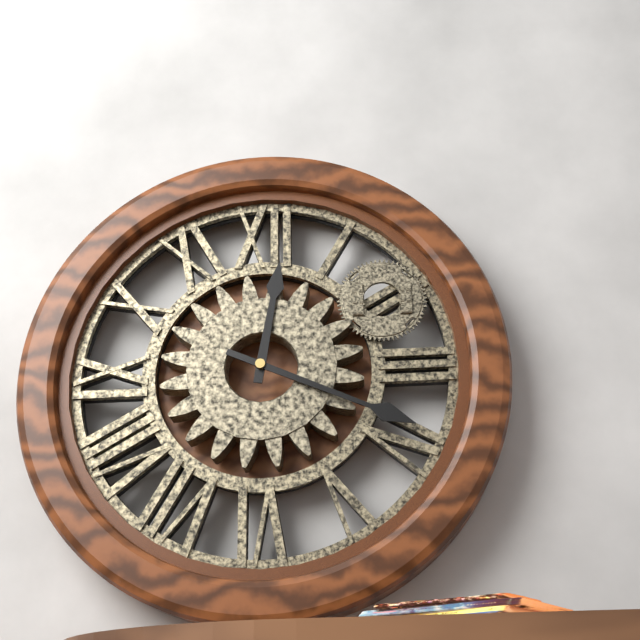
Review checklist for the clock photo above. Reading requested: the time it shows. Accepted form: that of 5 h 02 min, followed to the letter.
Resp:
12 h 19 min
